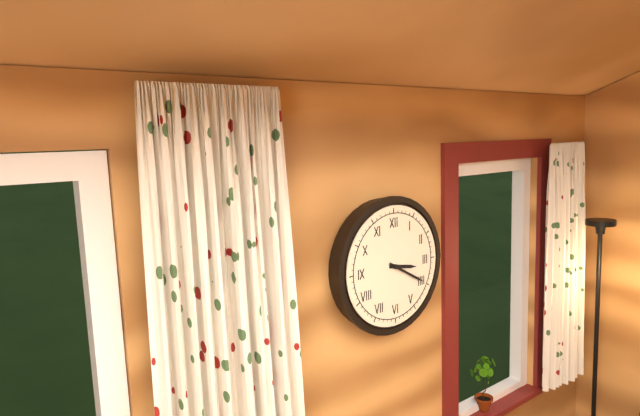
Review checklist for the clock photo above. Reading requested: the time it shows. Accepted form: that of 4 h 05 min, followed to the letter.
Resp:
3 h 20 min
